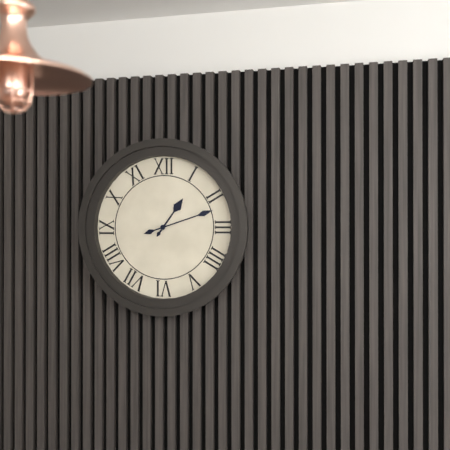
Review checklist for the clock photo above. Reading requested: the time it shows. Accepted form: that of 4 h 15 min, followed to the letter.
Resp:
1 h 12 min
